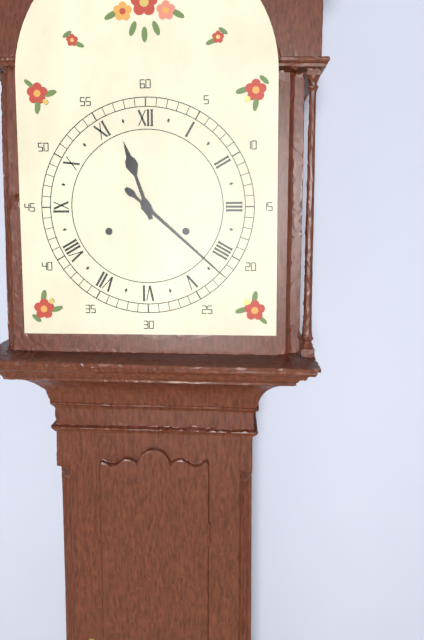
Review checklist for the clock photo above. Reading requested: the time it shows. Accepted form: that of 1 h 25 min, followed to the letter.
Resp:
11 h 22 min
